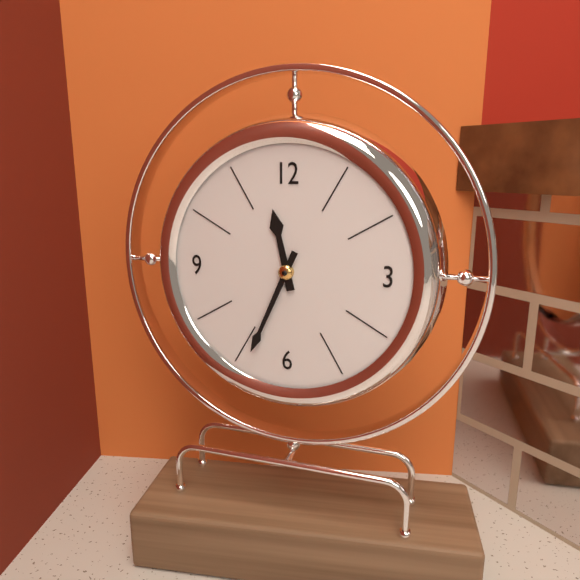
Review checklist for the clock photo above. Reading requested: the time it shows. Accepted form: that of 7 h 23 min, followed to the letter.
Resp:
11 h 34 min
